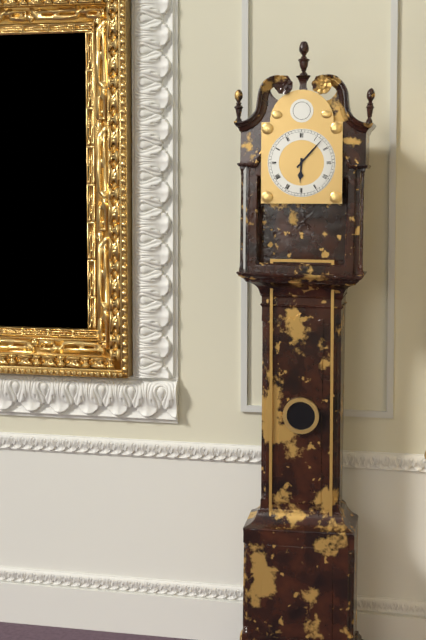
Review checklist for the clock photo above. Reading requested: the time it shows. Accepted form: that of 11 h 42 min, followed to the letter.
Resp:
6 h 07 min
